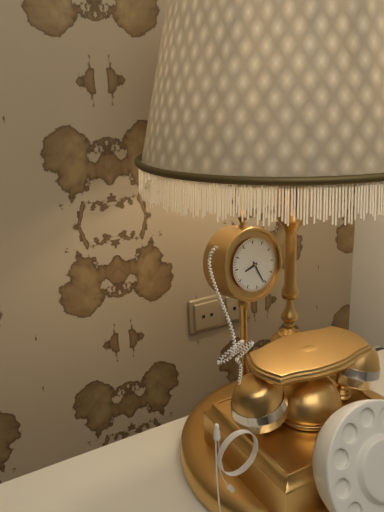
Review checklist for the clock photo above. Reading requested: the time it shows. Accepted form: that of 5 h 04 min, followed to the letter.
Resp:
8 h 26 min
